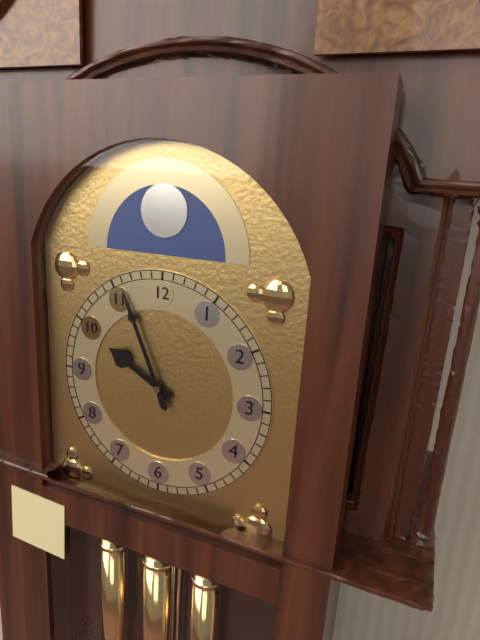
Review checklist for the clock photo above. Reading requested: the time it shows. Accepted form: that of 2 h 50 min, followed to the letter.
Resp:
9 h 56 min
